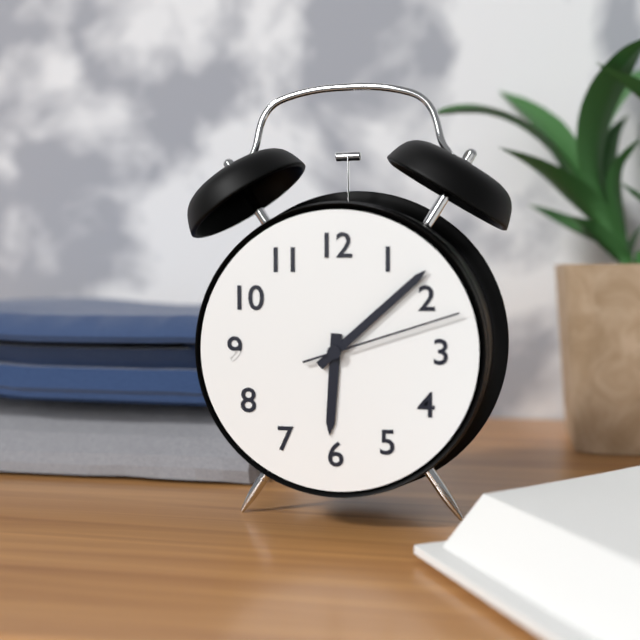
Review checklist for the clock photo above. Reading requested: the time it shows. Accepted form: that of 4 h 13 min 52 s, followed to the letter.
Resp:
6 h 08 min 12 s
